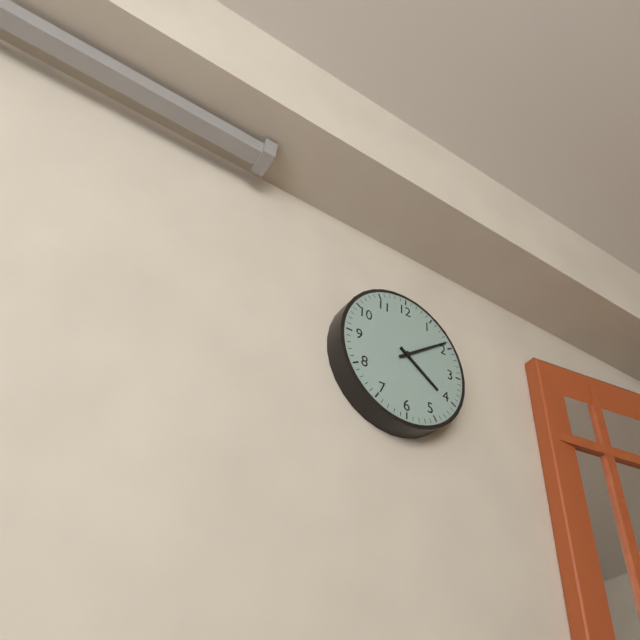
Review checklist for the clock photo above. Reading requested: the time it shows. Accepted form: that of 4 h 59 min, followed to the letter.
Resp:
4 h 09 min
